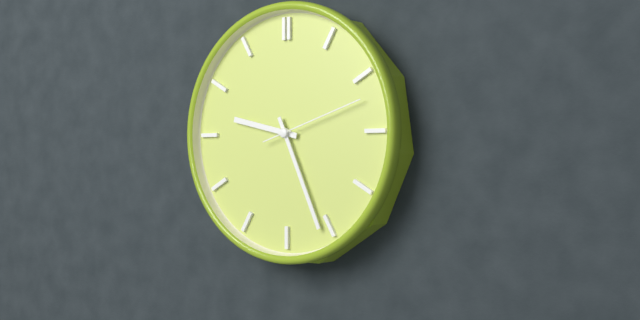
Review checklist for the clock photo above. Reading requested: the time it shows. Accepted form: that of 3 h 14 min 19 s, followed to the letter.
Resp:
9 h 26 min 12 s
